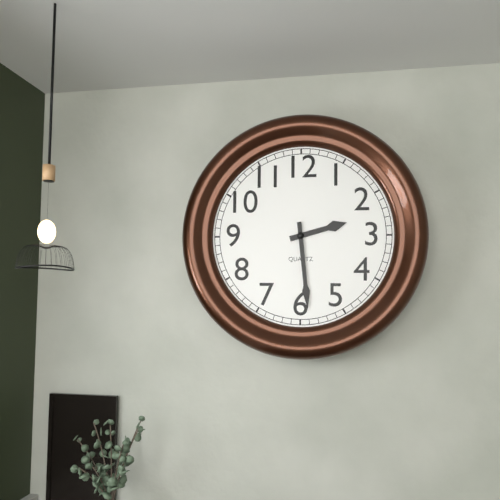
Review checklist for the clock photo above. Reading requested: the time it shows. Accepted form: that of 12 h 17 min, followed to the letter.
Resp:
2 h 29 min
